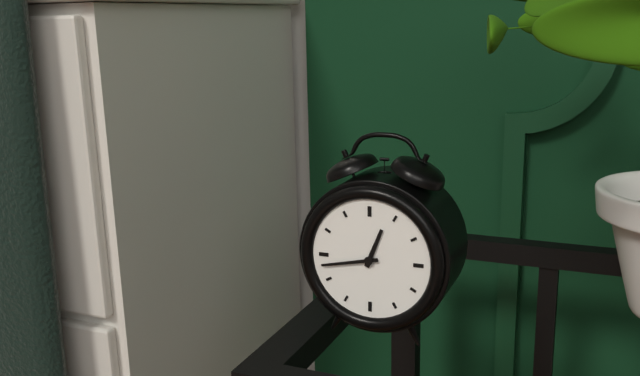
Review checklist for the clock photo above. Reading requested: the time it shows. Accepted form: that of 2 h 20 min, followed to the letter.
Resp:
12 h 43 min
